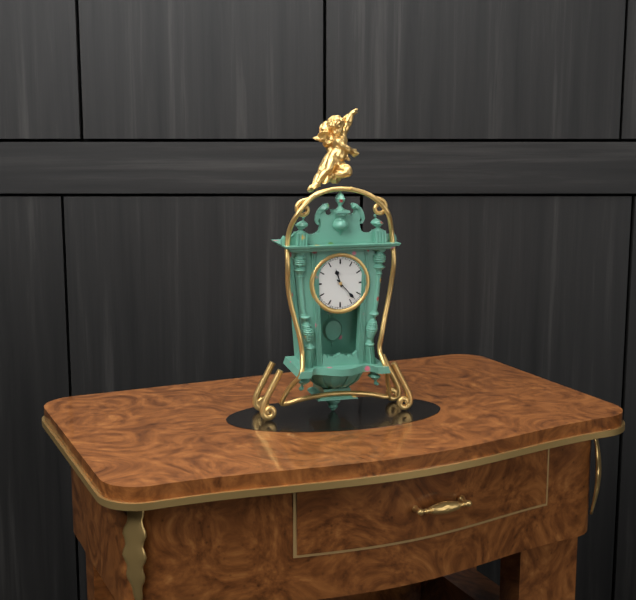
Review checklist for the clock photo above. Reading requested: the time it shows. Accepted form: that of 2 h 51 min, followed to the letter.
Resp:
11 h 23 min
